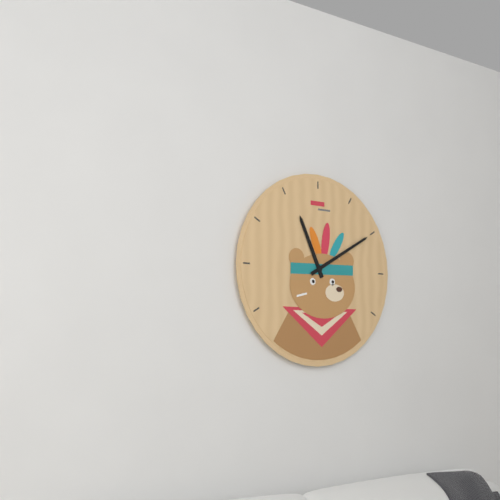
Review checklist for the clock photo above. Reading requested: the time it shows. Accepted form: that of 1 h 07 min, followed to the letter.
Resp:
11 h 10 min
